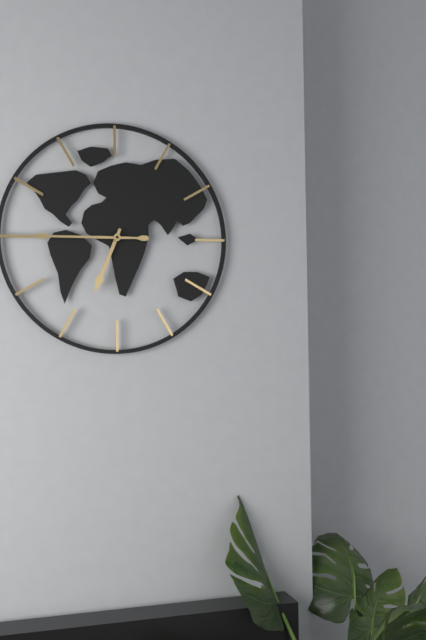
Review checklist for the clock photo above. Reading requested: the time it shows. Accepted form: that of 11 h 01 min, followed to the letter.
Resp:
6 h 45 min
